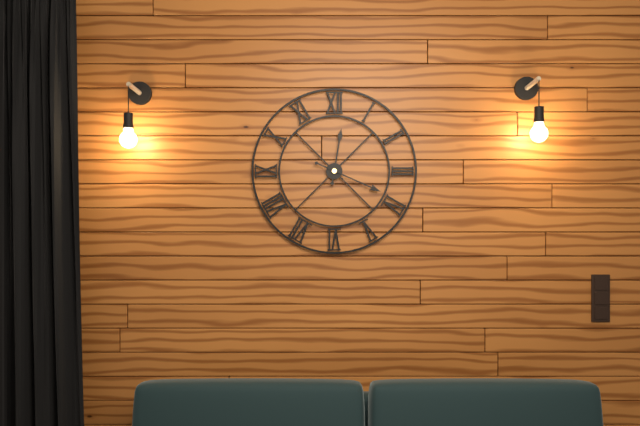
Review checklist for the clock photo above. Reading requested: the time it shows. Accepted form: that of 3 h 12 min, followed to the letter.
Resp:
12 h 19 min
